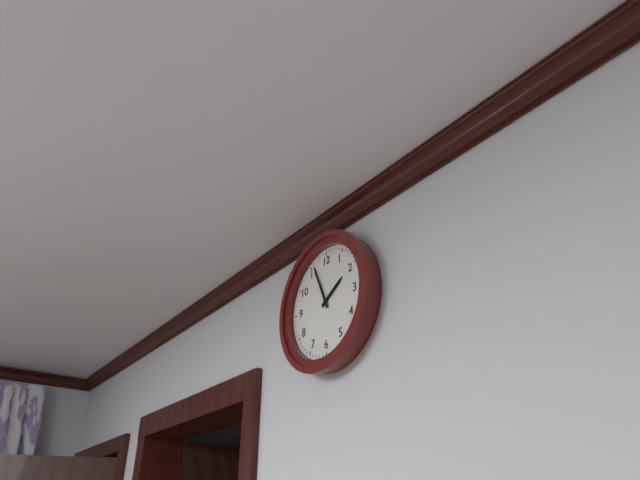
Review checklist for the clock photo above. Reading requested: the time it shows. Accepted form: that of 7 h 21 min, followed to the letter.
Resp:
1 h 56 min
